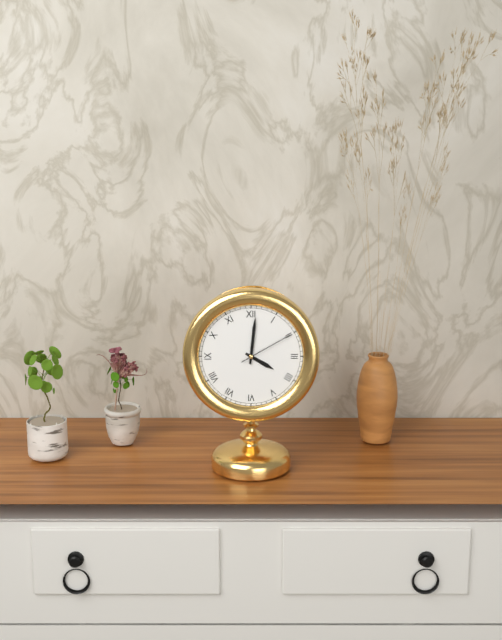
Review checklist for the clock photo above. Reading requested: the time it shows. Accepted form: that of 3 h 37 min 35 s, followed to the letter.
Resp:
4 h 01 min 10 s
